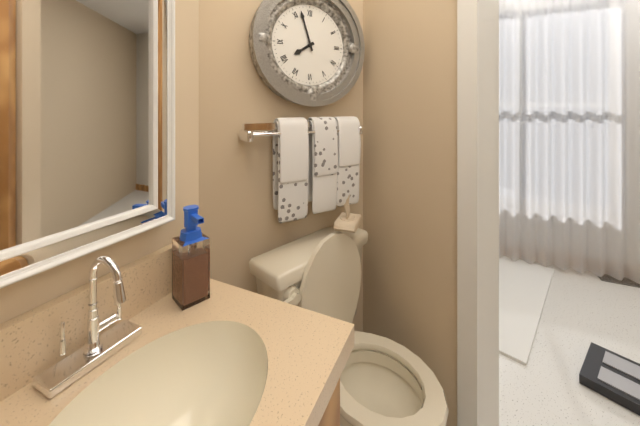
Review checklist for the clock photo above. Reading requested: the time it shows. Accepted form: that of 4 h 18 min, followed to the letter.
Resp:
7 h 57 min
